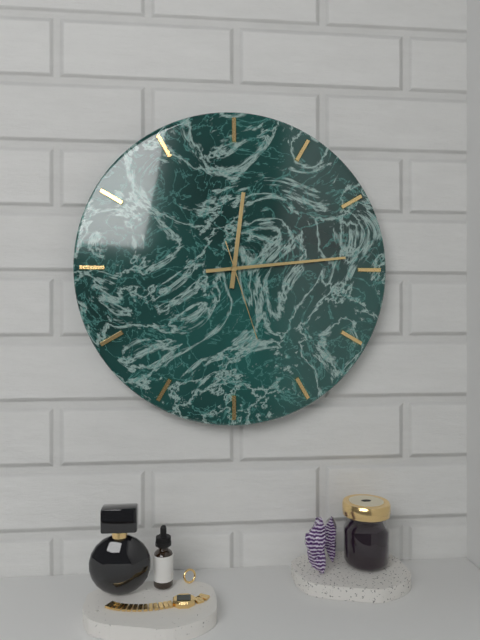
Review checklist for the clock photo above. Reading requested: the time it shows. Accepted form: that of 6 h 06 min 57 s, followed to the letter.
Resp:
12 h 14 min 27 s
